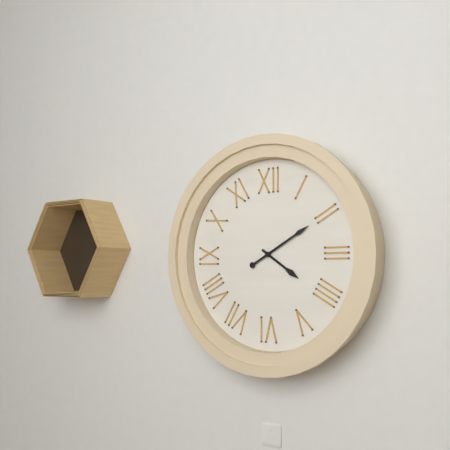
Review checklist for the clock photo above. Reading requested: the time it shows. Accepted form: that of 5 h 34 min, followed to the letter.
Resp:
4 h 10 min
